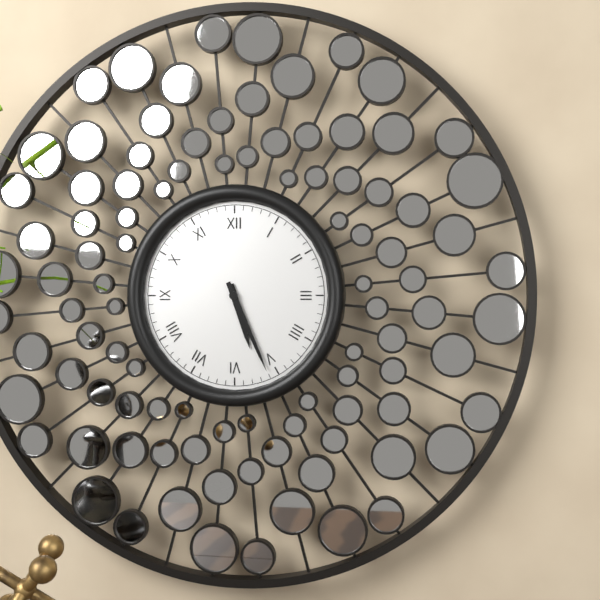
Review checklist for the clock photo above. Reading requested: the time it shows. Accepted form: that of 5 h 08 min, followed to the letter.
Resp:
5 h 26 min
